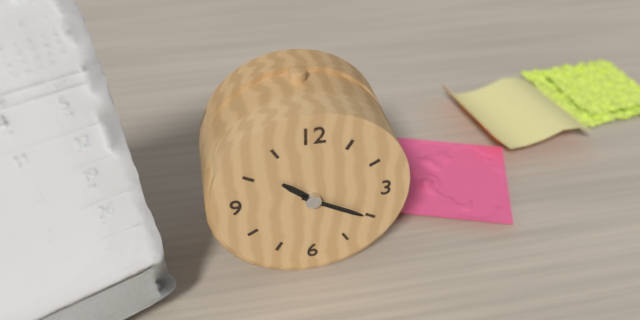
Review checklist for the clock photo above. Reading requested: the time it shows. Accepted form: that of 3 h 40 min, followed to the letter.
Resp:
10 h 20 min
